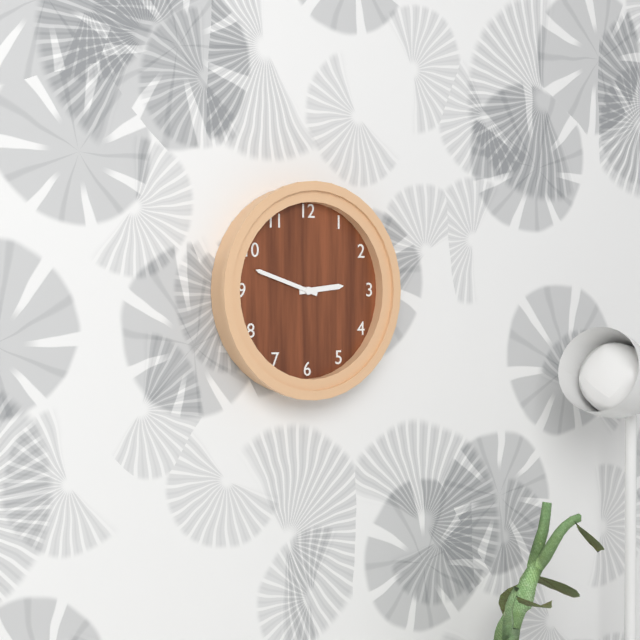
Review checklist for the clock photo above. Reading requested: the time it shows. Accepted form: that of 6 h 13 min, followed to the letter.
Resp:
2 h 48 min
